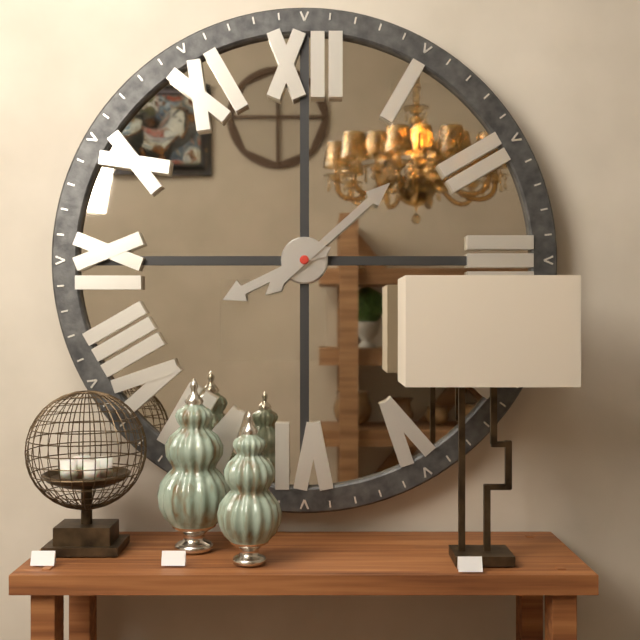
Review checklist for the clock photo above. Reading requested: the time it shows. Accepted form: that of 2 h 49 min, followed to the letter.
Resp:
8 h 08 min
